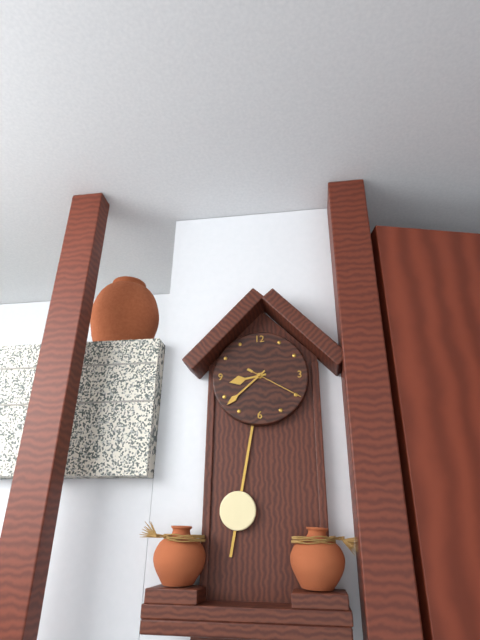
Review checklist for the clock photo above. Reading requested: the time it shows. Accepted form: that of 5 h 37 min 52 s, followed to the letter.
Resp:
8 h 38 min 20 s
